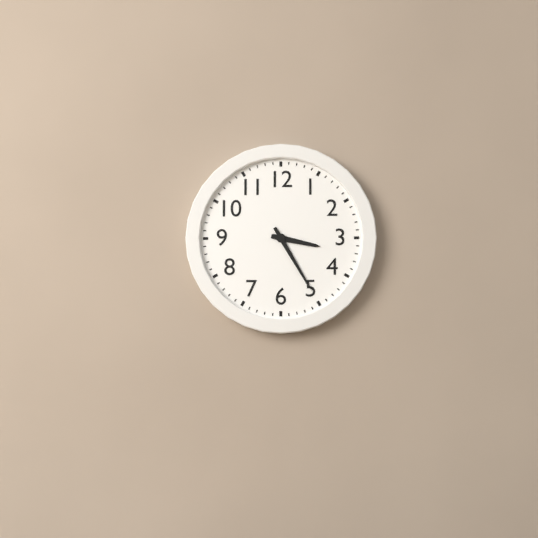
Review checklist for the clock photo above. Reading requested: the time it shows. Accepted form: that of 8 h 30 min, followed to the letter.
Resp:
3 h 25 min
